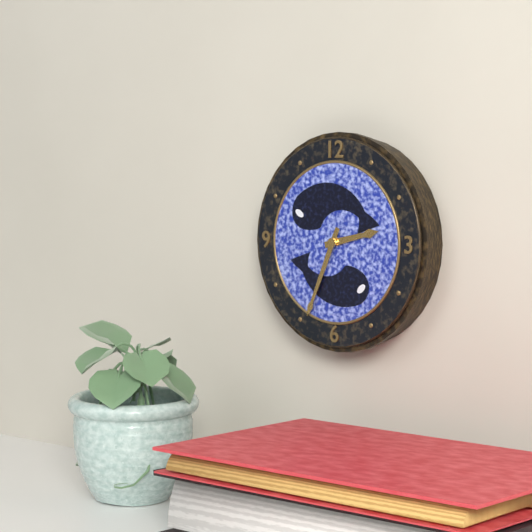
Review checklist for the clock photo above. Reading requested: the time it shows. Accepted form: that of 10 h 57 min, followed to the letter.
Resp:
2 h 34 min
